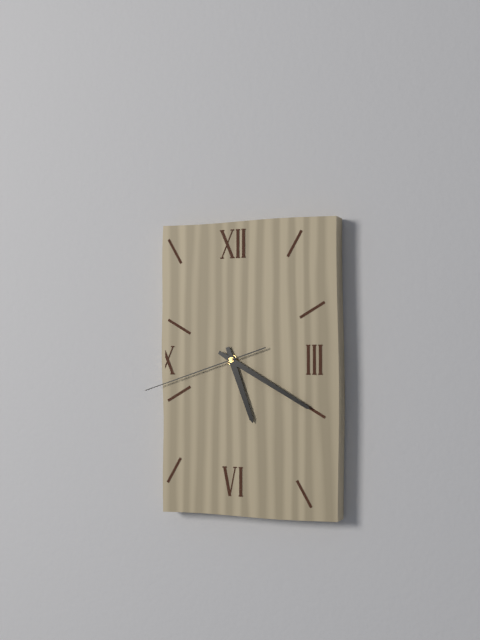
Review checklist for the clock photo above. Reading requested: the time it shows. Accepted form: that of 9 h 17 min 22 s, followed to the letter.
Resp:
5 h 20 min 42 s
